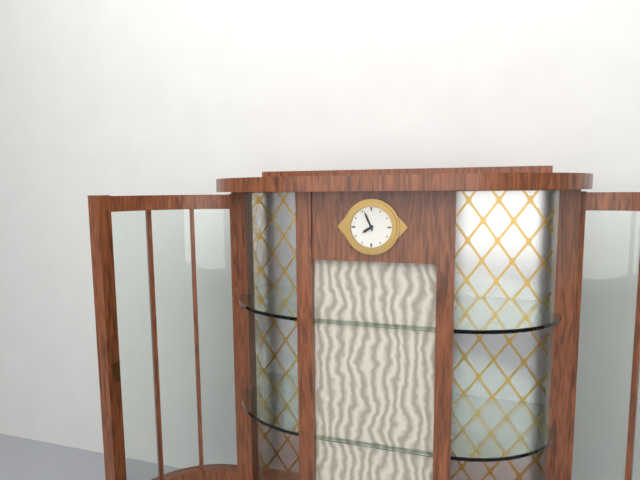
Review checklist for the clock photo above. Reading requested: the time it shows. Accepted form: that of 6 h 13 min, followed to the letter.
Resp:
7 h 56 min
